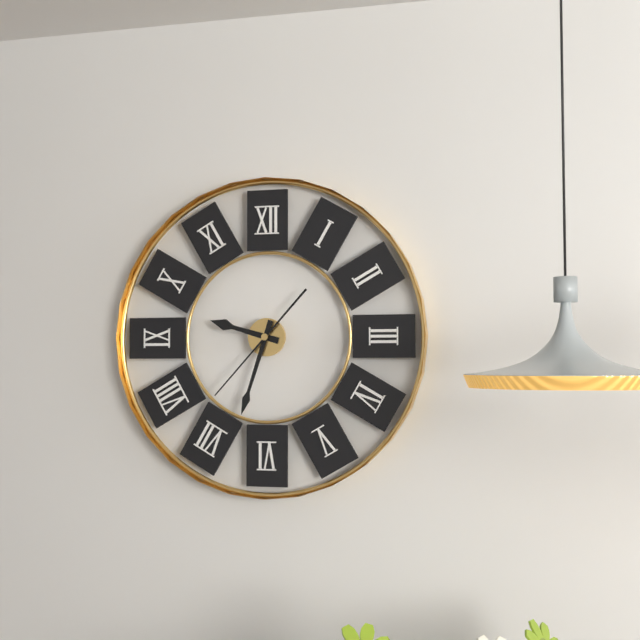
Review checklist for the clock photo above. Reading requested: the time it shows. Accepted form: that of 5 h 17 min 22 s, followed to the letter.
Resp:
9 h 33 min 37 s
